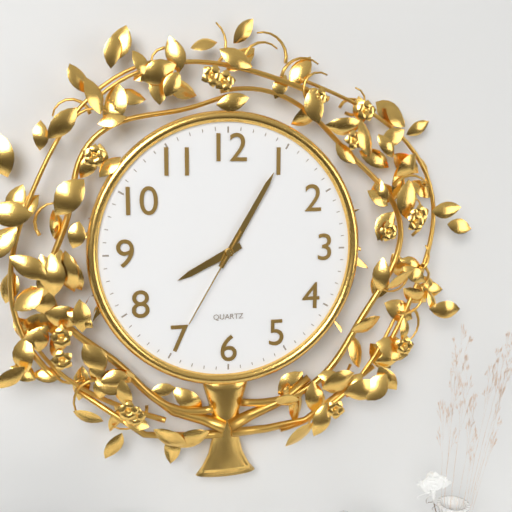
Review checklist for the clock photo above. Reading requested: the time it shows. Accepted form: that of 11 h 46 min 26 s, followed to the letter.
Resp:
8 h 05 min 35 s
